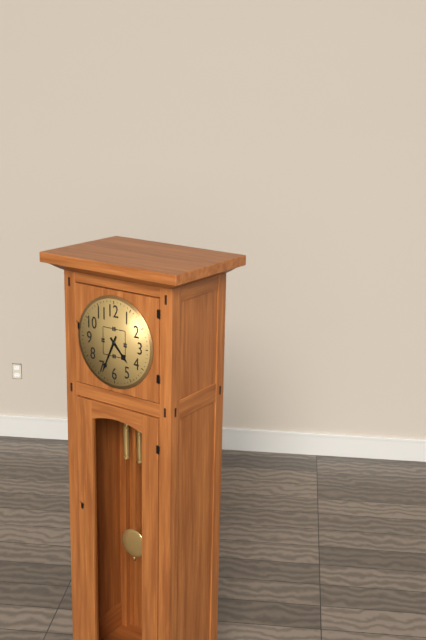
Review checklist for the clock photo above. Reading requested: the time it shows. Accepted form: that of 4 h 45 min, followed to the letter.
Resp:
4 h 34 min
